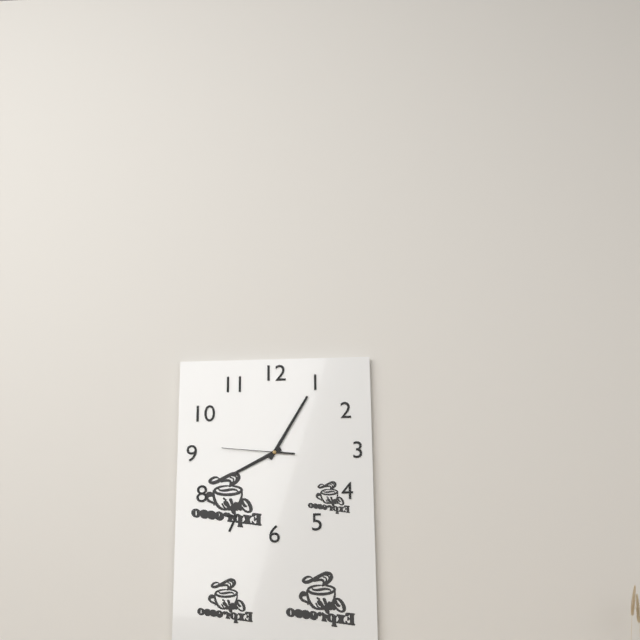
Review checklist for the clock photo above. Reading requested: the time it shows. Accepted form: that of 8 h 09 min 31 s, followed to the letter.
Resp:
8 h 05 min 46 s
